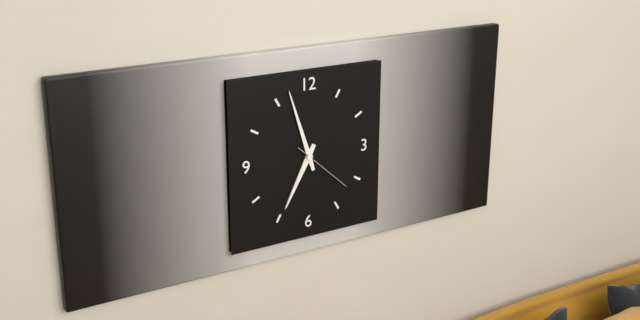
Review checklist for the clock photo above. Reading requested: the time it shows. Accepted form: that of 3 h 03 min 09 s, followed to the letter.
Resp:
6 h 57 min 22 s
